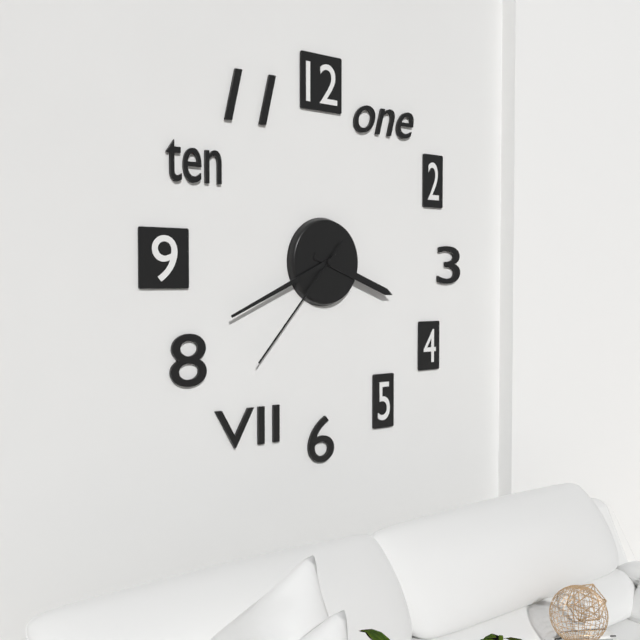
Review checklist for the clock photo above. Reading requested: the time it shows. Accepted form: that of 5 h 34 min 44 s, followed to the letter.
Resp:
3 h 41 min 37 s
